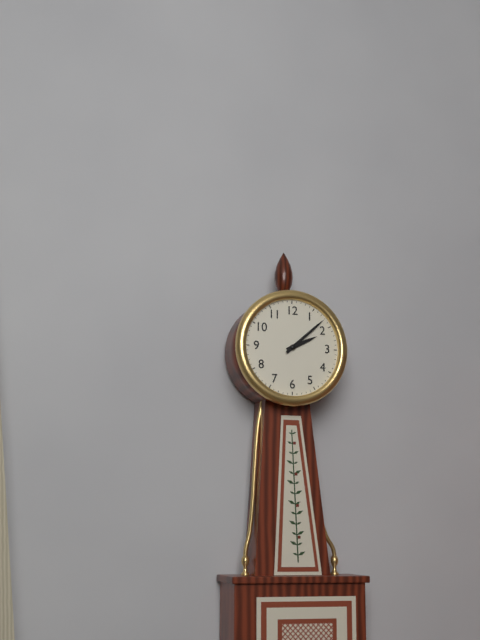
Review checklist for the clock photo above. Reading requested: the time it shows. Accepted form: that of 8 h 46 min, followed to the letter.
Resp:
2 h 08 min
